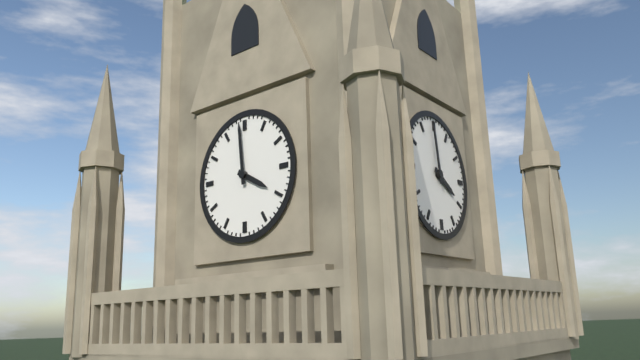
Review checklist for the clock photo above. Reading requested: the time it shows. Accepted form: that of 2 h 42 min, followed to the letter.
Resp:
3 h 59 min
